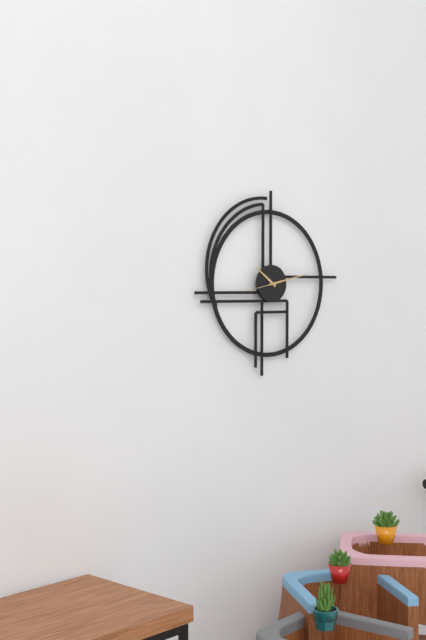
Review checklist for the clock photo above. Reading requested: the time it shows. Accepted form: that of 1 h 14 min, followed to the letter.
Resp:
10 h 13 min
